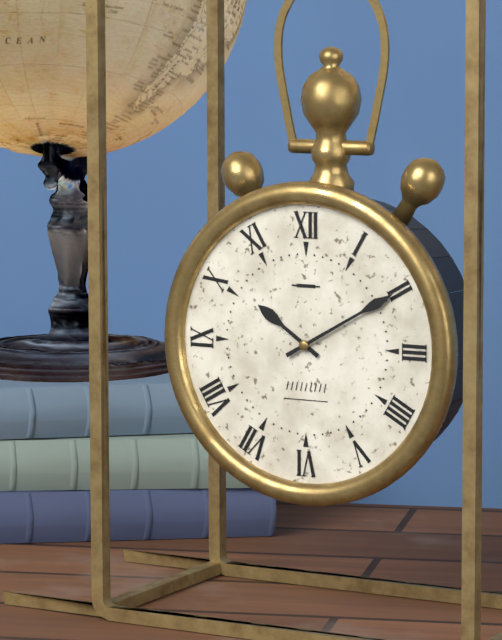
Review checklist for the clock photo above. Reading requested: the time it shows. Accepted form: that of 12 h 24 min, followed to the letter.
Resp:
10 h 10 min
